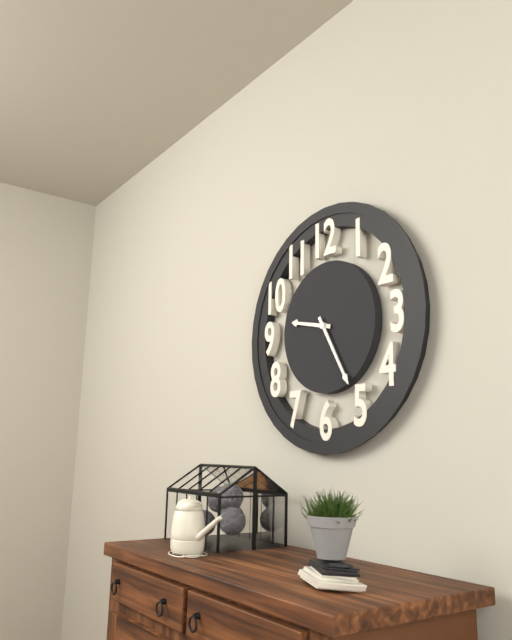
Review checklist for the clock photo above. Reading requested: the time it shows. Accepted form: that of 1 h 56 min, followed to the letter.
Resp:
9 h 25 min
